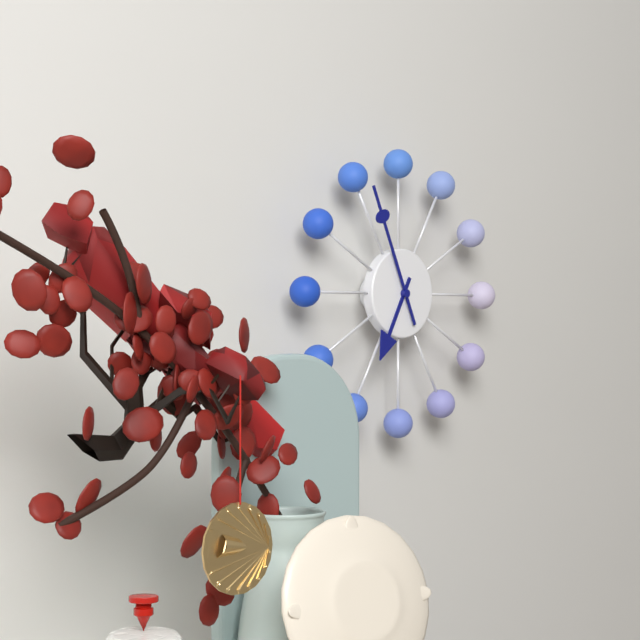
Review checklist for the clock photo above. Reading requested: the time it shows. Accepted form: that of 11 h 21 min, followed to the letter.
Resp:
6 h 56 min
